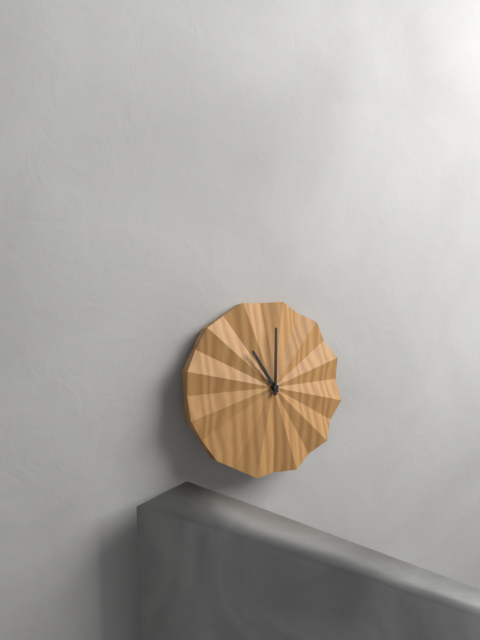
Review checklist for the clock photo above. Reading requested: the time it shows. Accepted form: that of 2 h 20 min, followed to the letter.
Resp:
11 h 01 min
